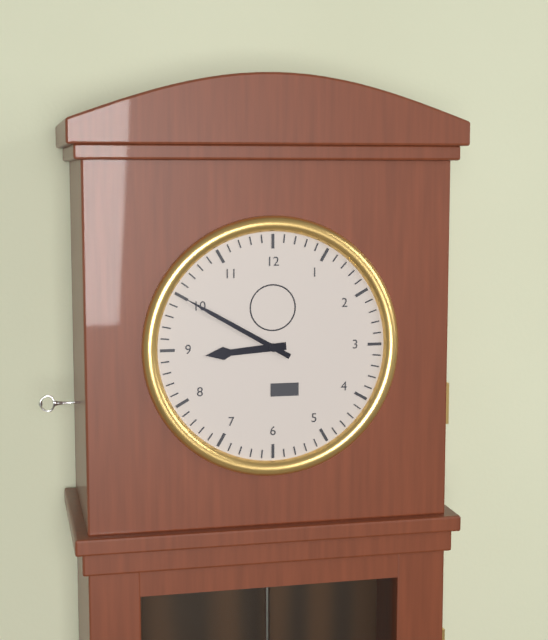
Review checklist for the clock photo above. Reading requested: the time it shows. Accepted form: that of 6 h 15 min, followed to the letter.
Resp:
8 h 50 min
